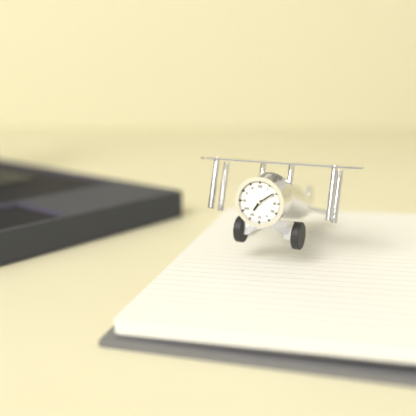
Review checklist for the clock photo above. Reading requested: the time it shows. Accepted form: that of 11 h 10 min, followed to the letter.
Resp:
7 h 09 min
